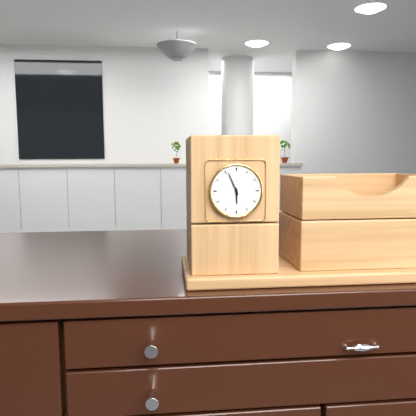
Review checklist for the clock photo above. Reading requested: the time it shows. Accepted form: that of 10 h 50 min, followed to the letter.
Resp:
5 h 56 min
